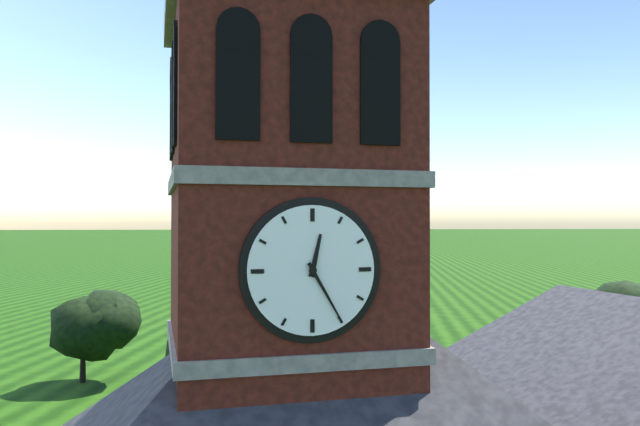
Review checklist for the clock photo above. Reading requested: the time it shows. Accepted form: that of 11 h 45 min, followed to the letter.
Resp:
12 h 25 min
